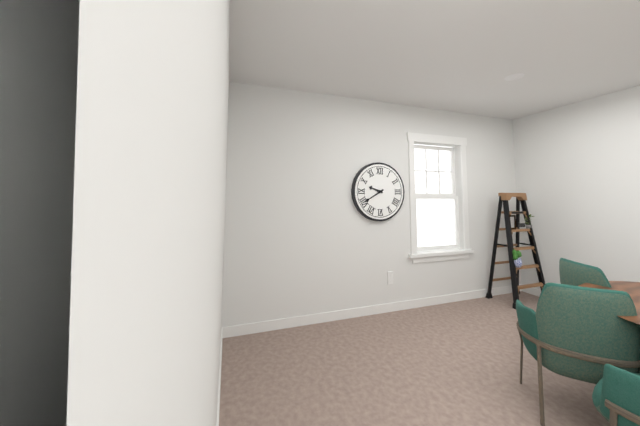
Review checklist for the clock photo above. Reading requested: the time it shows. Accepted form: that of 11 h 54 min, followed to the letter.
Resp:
9 h 40 min
